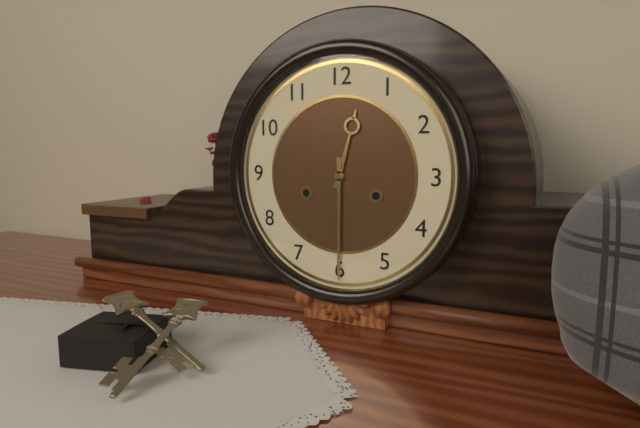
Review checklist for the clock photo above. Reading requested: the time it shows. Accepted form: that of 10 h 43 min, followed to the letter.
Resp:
12 h 30 min
